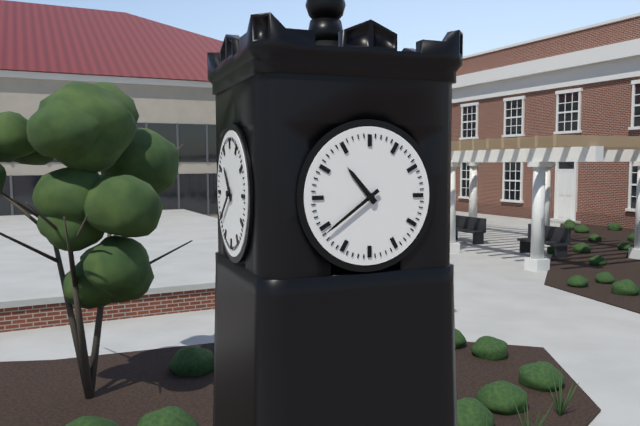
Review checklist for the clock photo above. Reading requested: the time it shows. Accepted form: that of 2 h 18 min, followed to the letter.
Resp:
10 h 39 min
